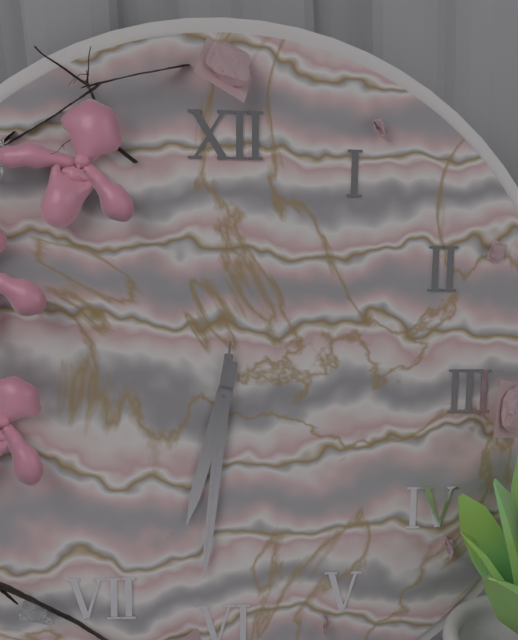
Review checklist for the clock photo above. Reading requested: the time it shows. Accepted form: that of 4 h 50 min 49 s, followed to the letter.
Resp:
6 h 31 min 31 s
